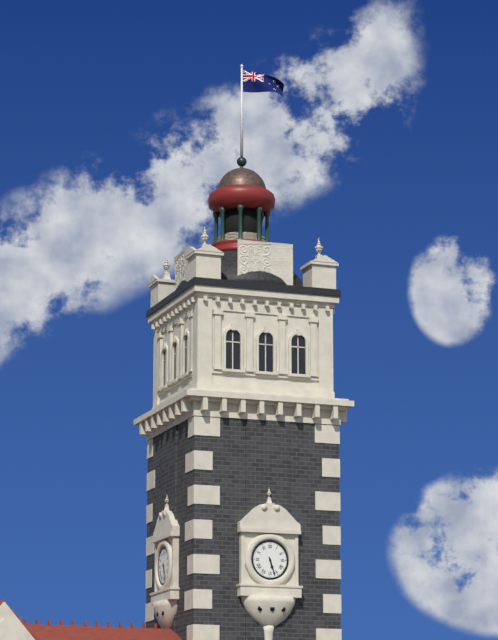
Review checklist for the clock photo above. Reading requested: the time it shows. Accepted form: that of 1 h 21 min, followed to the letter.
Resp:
5 h 27 min
